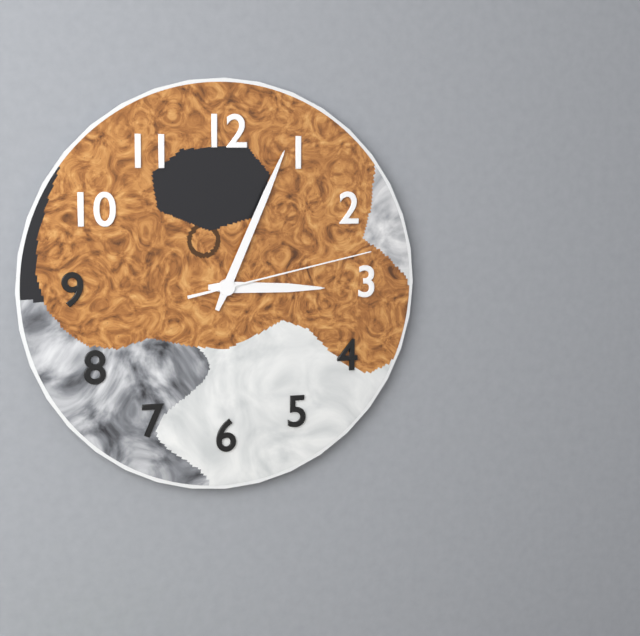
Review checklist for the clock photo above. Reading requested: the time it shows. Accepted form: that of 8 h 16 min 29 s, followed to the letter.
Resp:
3 h 04 min 13 s
